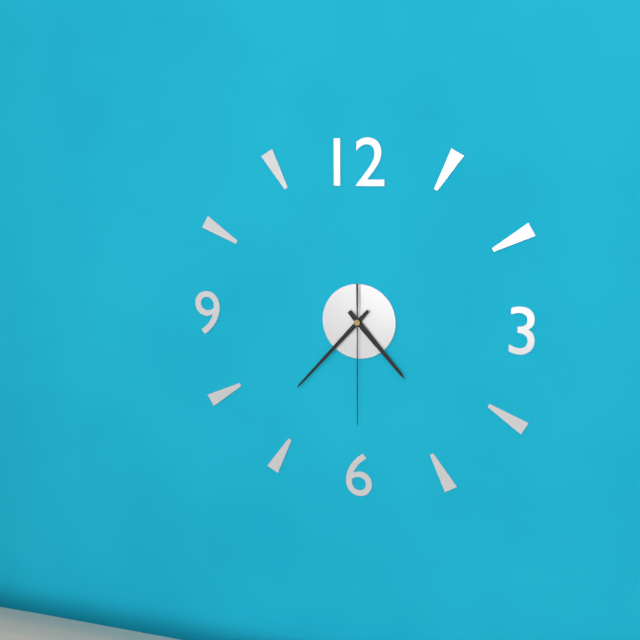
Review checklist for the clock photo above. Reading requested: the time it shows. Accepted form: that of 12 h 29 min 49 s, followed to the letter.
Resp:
4 h 37 min 30 s
